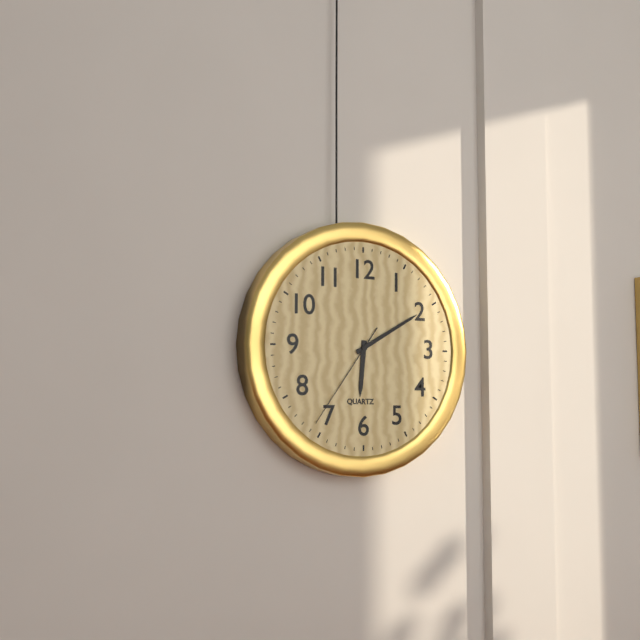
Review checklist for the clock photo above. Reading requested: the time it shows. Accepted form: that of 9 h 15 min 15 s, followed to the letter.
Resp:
6 h 10 min 36 s
